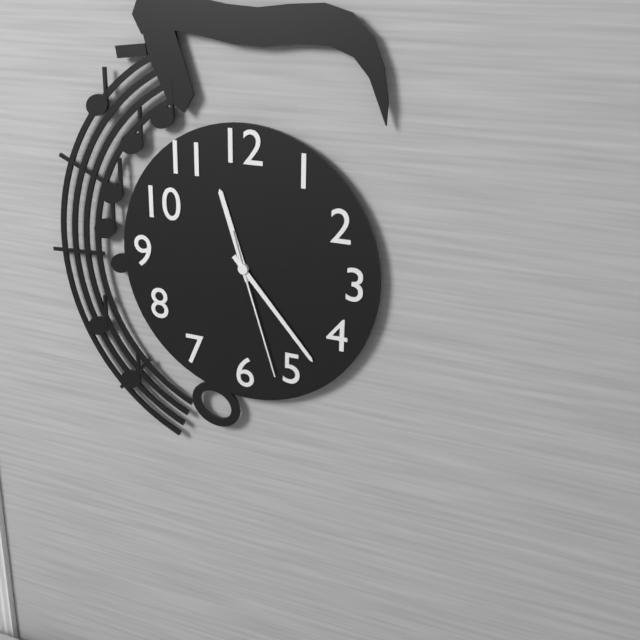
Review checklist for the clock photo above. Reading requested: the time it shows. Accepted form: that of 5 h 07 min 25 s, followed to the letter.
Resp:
11 h 23 min 27 s
